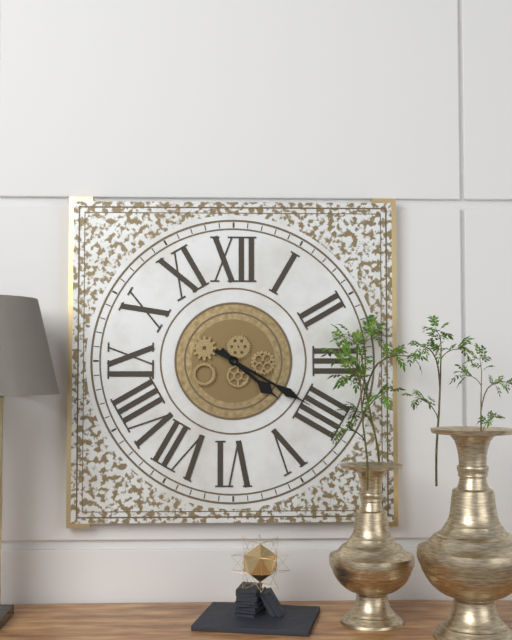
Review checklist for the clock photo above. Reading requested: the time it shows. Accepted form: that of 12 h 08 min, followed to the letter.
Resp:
4 h 20 min
